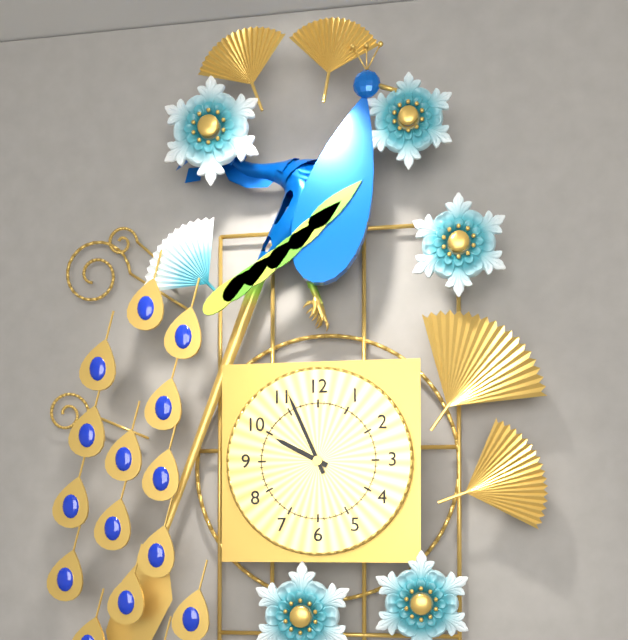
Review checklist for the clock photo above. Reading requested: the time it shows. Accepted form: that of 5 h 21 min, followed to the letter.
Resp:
9 h 56 min
